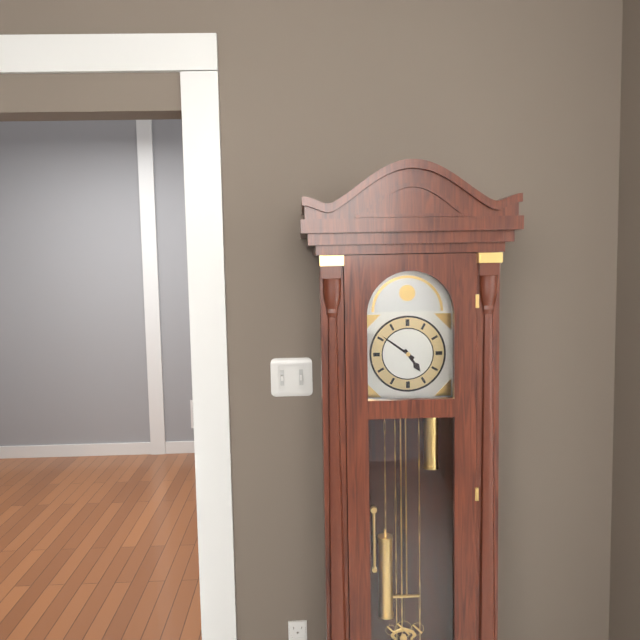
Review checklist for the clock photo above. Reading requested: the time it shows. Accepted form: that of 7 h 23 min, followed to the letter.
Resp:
4 h 51 min
